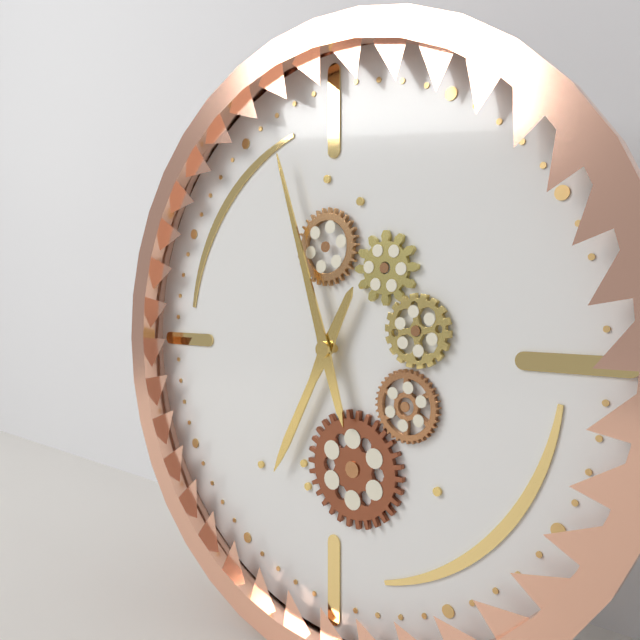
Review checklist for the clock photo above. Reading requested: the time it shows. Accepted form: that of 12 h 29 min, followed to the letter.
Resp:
6 h 57 min
